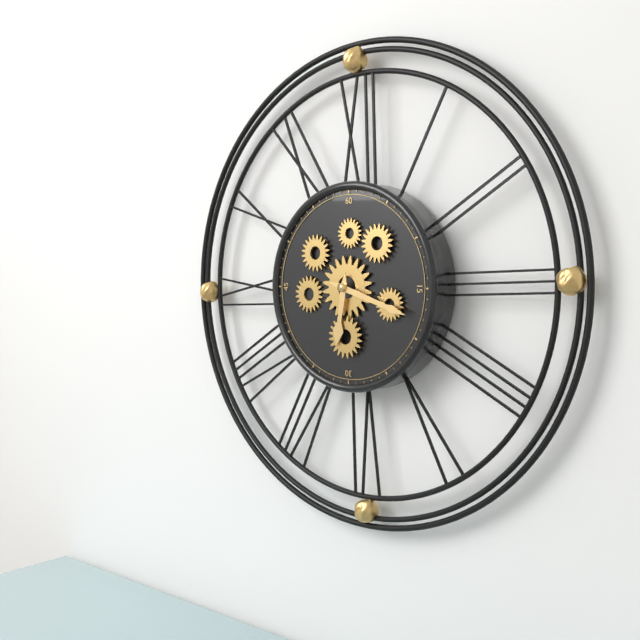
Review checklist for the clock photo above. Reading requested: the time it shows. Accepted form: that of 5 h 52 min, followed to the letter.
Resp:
6 h 18 min
